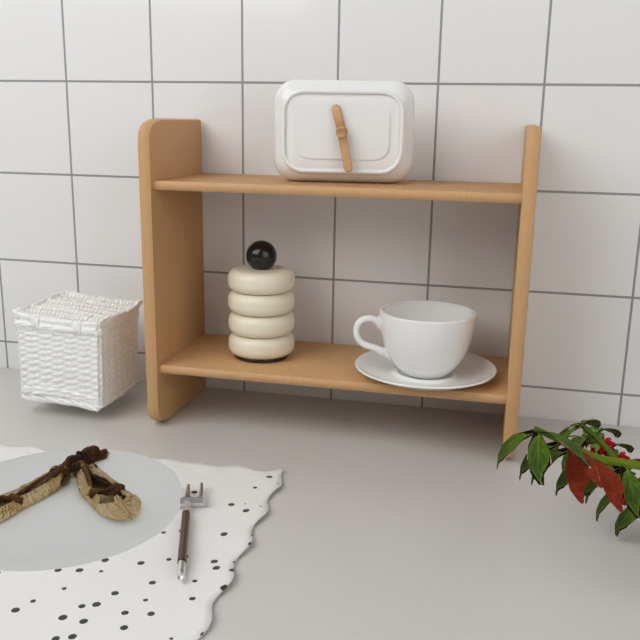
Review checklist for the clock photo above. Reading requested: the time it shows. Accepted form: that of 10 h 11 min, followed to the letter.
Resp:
11 h 28 min
